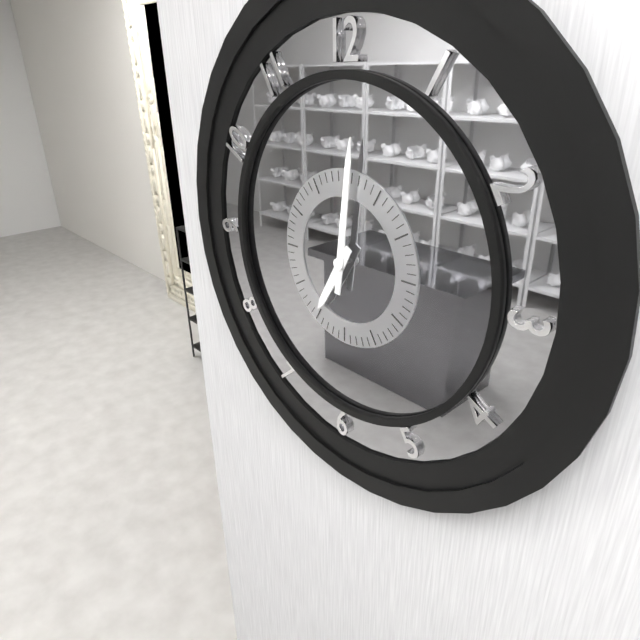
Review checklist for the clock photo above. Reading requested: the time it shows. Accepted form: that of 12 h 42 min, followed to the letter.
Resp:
7 h 01 min
